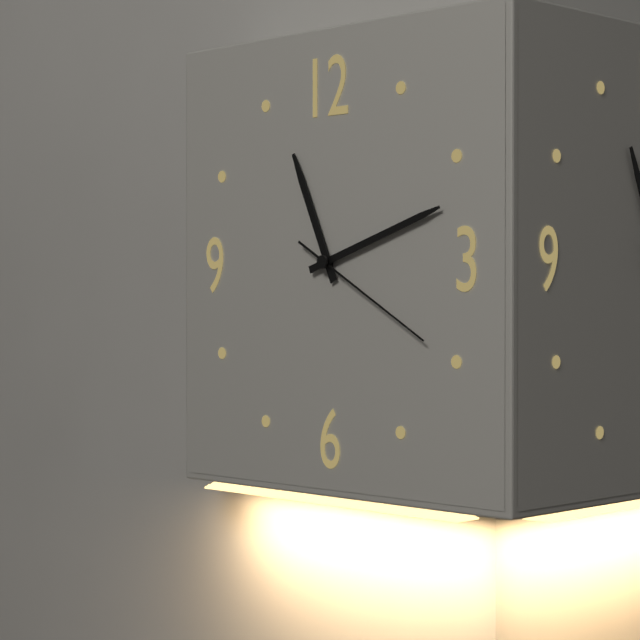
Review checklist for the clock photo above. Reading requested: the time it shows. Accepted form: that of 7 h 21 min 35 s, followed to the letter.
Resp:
11 h 12 min 20 s
